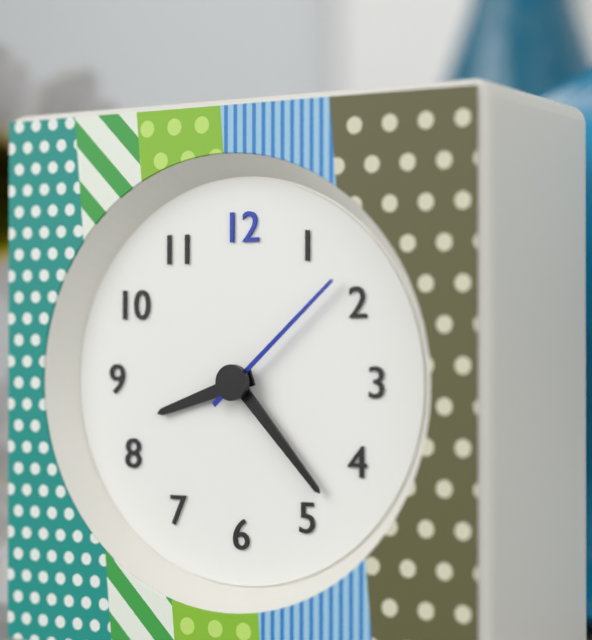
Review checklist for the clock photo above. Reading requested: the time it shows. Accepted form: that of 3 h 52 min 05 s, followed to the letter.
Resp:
8 h 23 min 08 s
